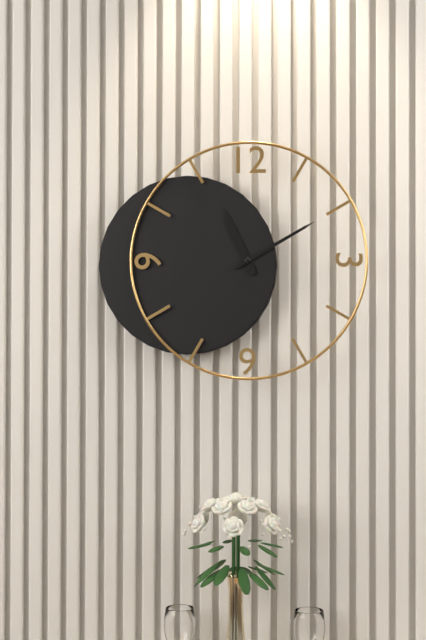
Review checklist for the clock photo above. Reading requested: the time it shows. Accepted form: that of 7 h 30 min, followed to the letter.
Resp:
11 h 10 min
